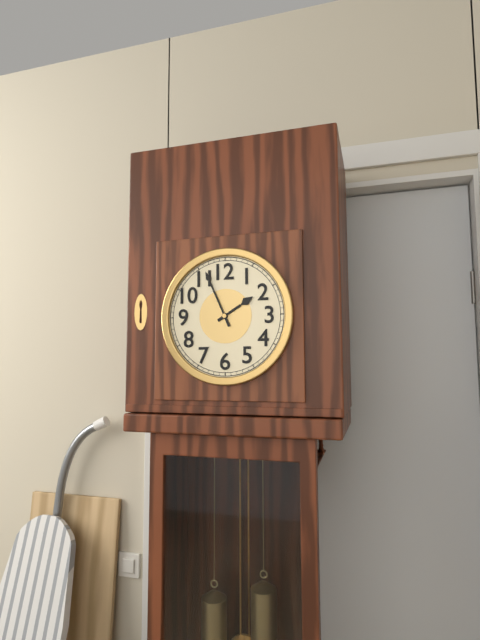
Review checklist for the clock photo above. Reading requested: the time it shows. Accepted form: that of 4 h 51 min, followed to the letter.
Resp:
1 h 56 min
